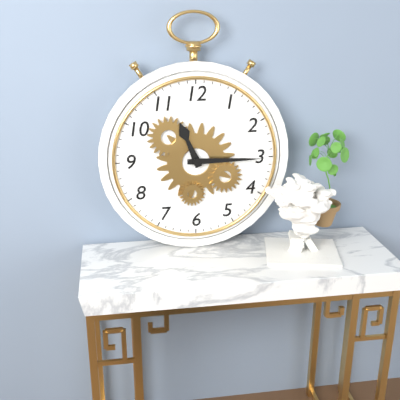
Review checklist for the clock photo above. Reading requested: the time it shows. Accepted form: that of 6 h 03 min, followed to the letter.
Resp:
11 h 15 min
